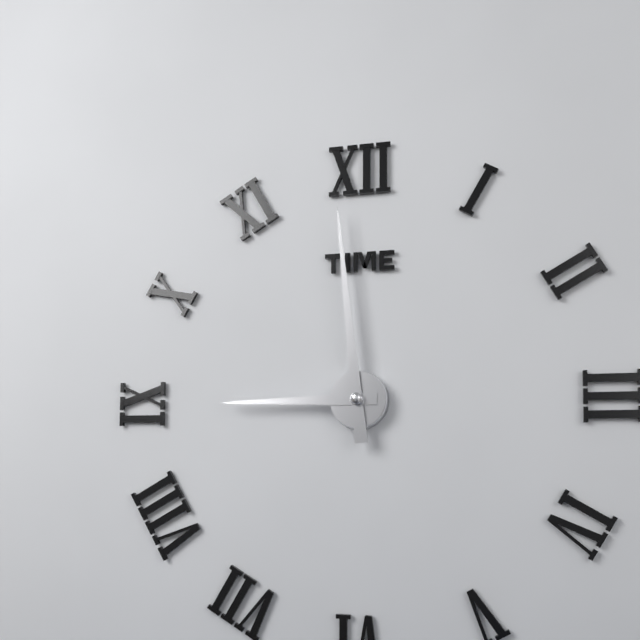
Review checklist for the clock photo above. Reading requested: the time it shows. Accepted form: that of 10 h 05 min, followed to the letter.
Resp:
8 h 59 min
